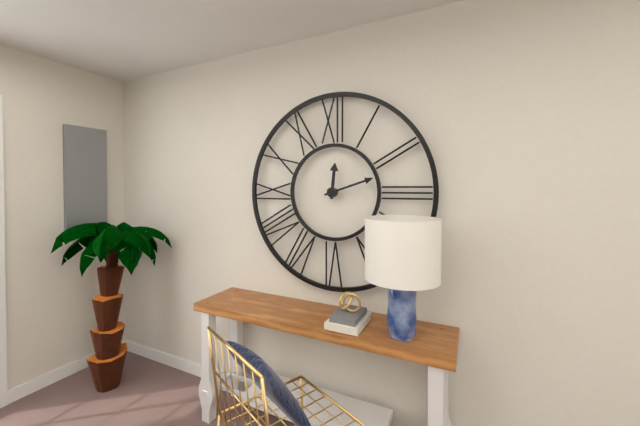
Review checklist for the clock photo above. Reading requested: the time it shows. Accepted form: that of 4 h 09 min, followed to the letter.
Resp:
12 h 12 min
